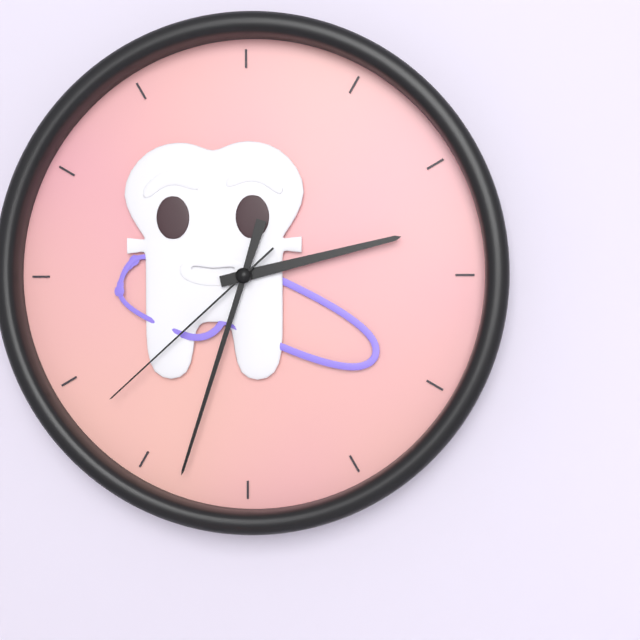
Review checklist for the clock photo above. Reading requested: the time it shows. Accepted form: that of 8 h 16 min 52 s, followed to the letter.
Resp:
2 h 33 min 38 s
